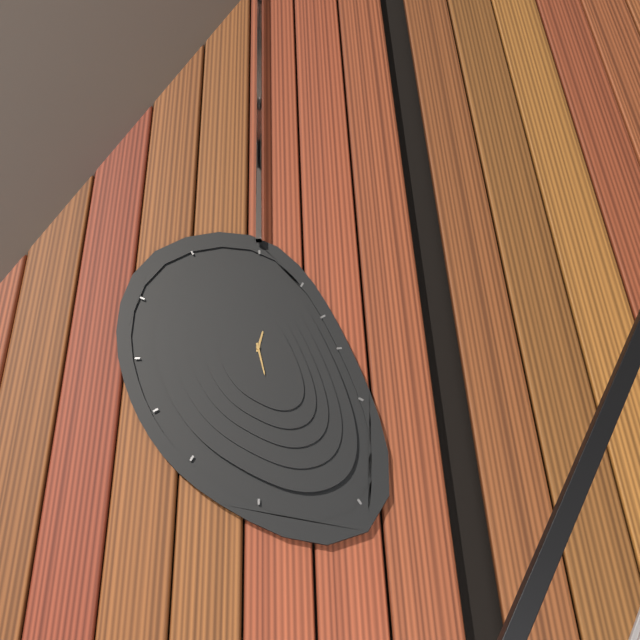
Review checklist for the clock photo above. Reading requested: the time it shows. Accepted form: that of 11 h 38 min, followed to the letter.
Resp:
12 h 28 min
